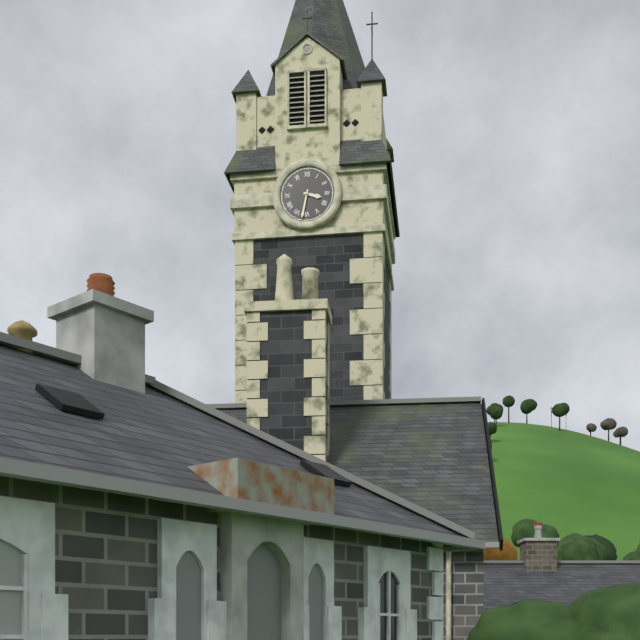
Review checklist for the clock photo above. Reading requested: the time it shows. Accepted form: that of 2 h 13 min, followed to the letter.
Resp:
3 h 32 min
